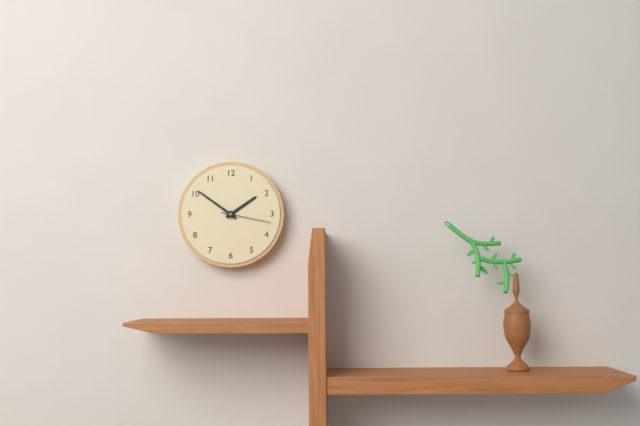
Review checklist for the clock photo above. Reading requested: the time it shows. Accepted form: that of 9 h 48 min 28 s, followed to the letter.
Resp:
1 h 51 min 17 s
